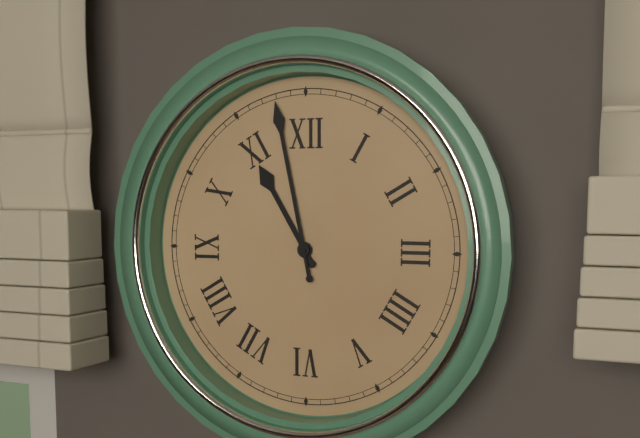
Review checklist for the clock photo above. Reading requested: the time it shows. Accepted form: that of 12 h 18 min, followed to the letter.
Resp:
10 h 58 min
